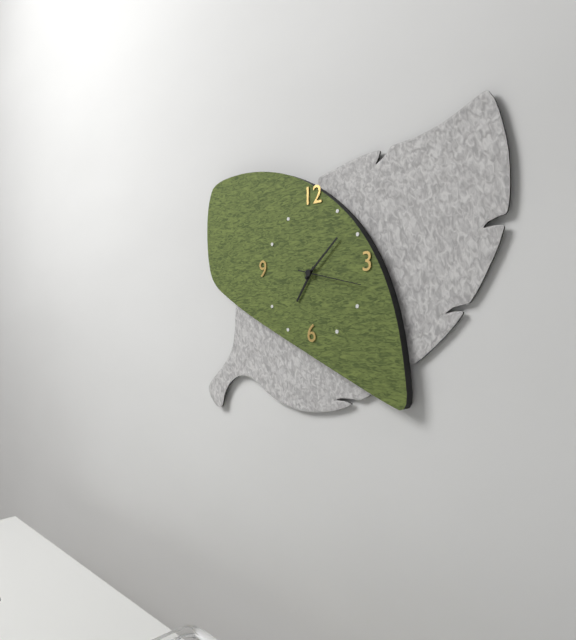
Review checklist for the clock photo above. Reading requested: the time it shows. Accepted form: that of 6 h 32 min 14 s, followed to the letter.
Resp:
7 h 08 min 17 s
